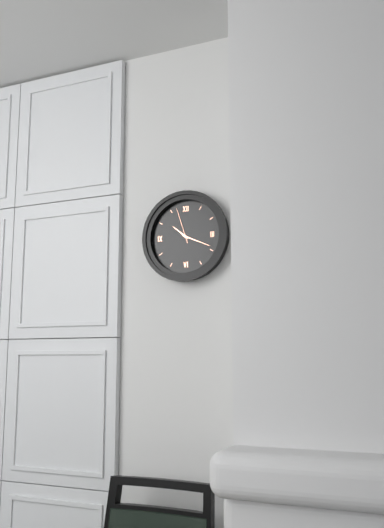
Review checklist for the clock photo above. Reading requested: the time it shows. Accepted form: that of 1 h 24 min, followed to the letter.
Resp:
10 h 19 min
